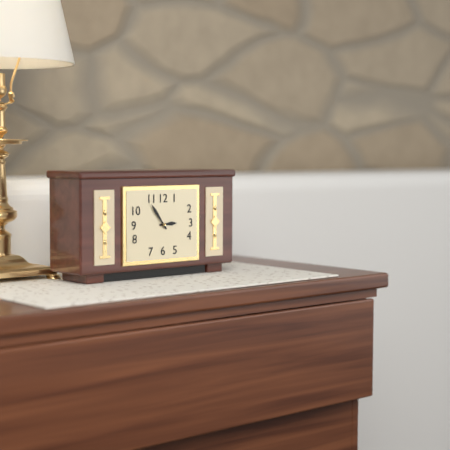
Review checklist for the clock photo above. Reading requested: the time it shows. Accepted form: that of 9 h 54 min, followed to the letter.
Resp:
2 h 54 min
